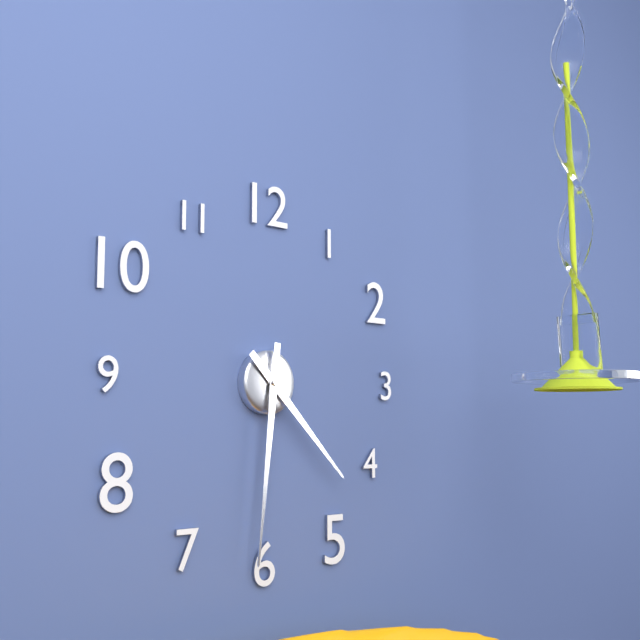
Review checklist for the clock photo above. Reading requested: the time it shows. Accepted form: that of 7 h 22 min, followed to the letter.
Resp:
4 h 31 min
